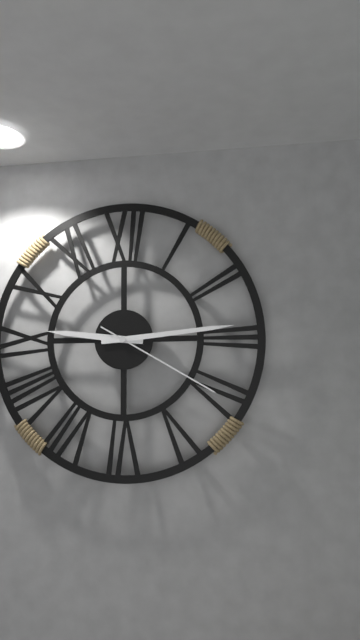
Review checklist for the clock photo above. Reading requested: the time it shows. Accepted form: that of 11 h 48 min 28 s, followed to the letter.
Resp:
9 h 14 min 20 s
